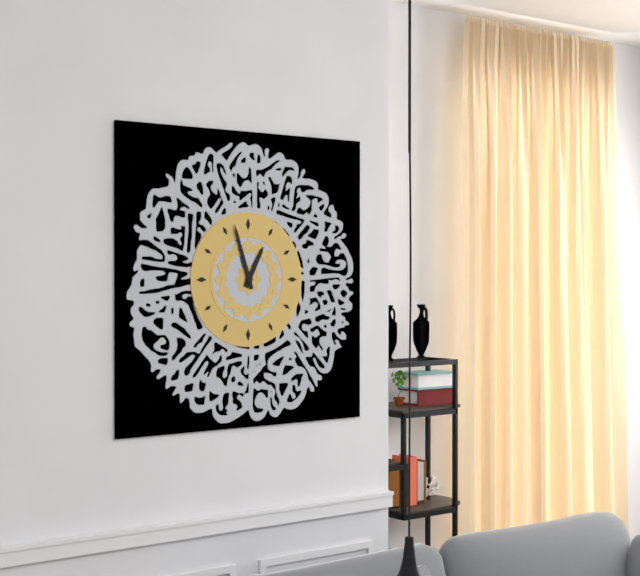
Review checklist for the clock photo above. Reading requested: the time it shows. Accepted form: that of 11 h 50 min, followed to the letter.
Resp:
12 h 57 min
